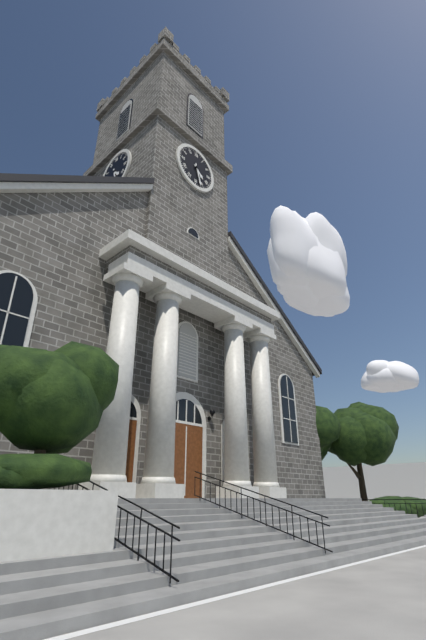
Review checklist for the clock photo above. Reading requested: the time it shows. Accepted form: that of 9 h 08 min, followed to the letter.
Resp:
4 h 27 min
